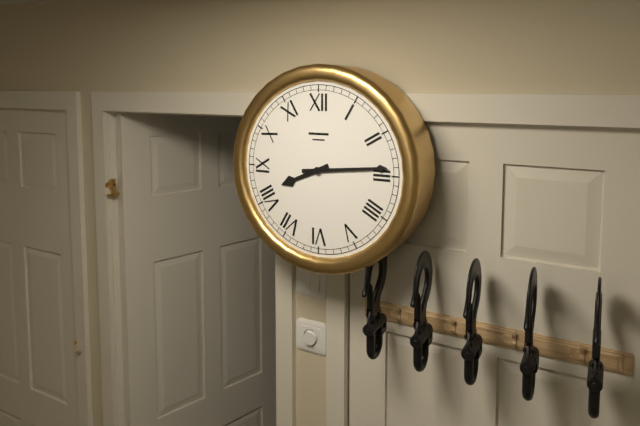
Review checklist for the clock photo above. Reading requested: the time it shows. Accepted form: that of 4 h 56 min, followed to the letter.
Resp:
8 h 14 min
